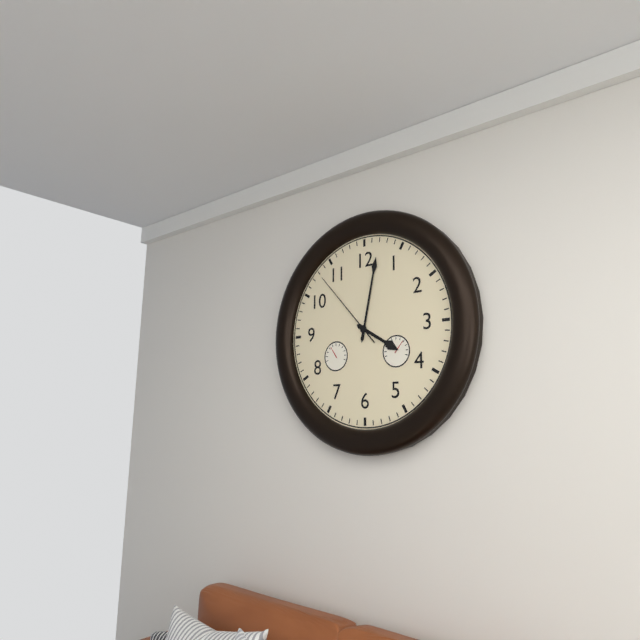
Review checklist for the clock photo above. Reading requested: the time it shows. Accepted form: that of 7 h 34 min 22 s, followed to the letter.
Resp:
4 h 02 min 53 s
